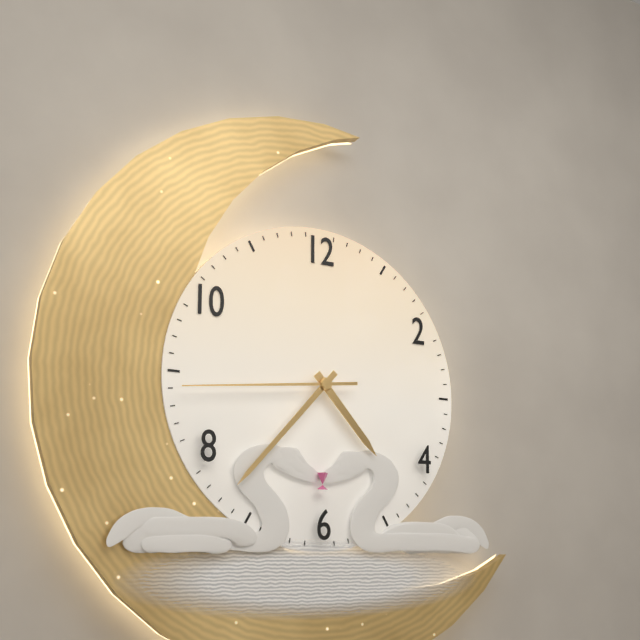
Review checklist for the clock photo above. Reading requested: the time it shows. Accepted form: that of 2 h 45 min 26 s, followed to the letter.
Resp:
4 h 37 min 44 s
